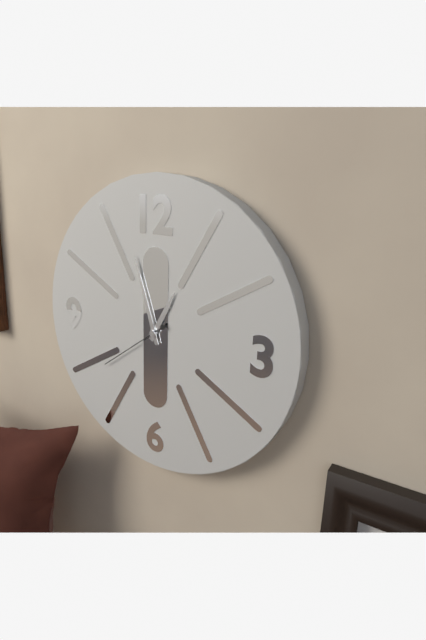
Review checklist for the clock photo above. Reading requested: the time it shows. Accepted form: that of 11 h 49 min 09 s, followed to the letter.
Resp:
12 h 57 min 39 s
